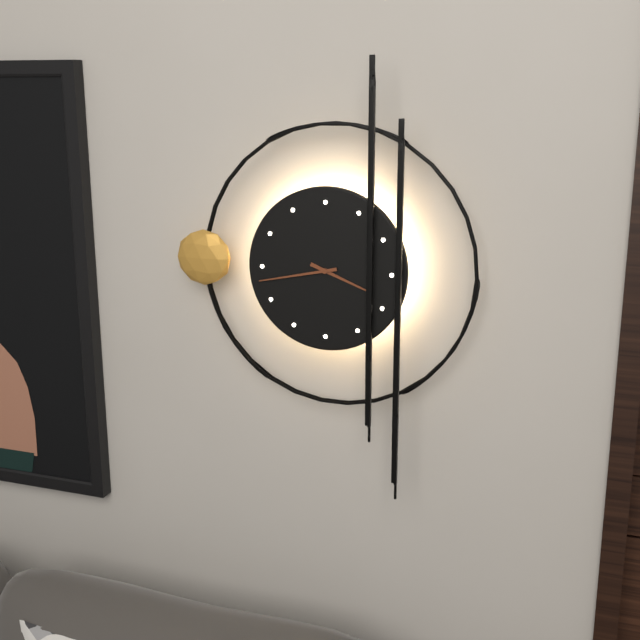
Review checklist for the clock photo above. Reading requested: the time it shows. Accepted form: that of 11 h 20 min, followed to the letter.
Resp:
3 h 43 min
